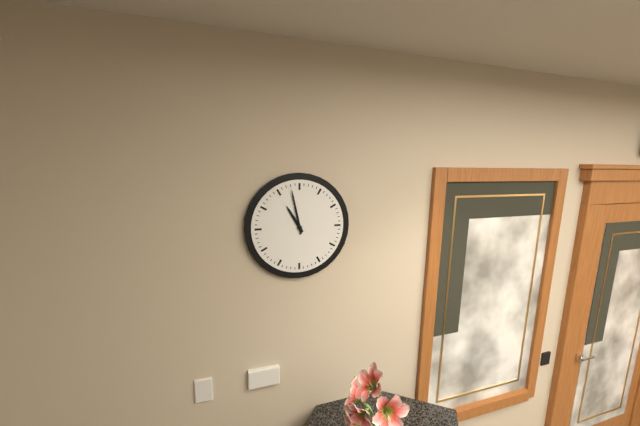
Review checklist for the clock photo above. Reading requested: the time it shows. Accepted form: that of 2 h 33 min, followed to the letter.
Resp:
10 h 58 min
